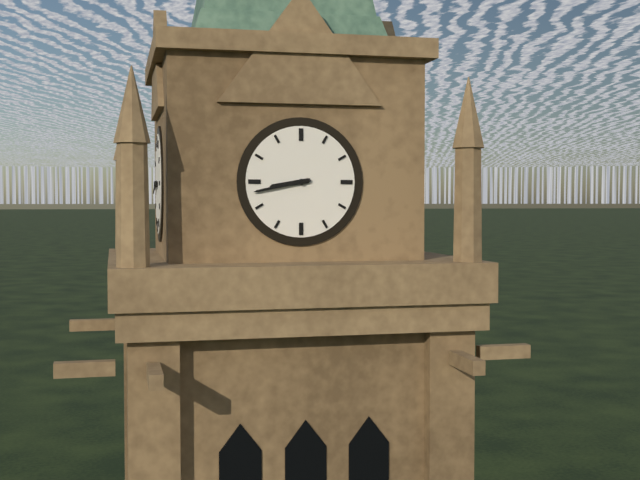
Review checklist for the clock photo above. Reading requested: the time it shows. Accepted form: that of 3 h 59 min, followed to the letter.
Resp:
8 h 43 min
